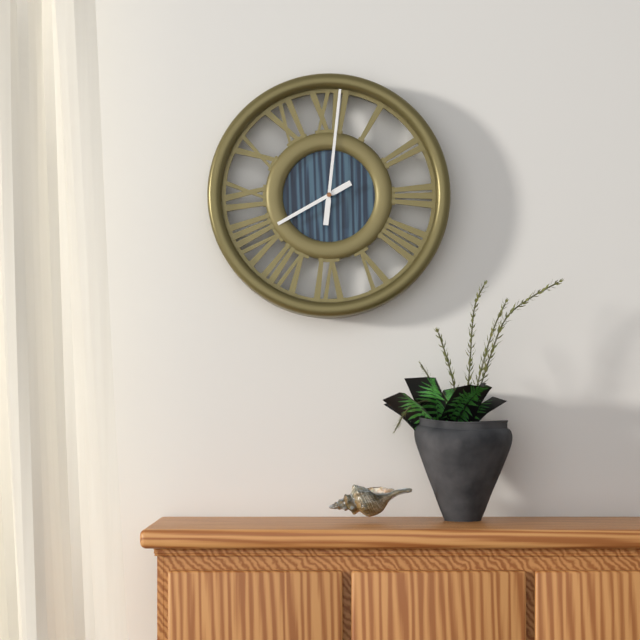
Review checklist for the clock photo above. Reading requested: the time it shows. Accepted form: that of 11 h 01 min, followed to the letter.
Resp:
8 h 01 min
